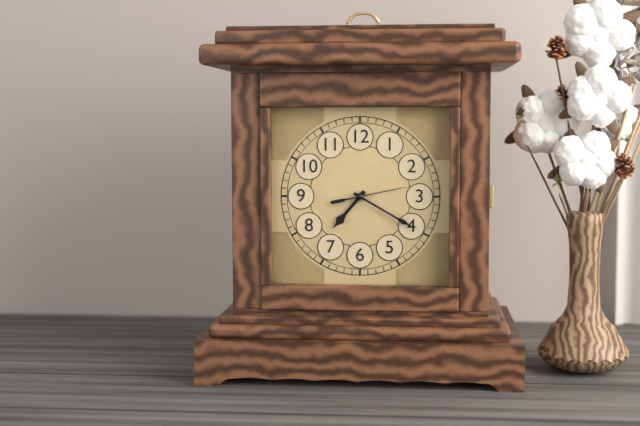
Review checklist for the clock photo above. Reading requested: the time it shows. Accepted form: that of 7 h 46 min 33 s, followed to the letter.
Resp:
7 h 20 min 13 s
